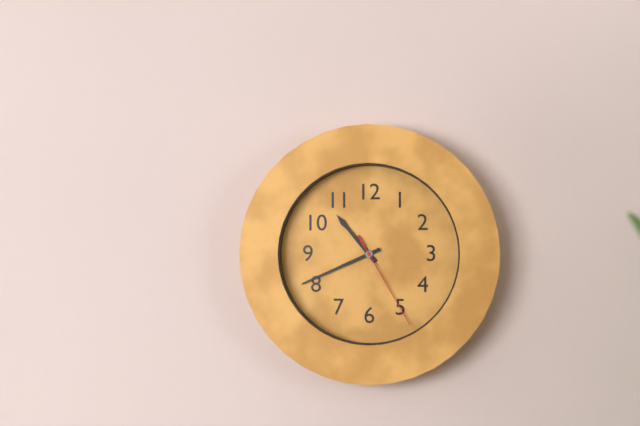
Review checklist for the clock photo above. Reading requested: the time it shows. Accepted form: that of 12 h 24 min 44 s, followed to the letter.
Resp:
10 h 41 min 25 s
